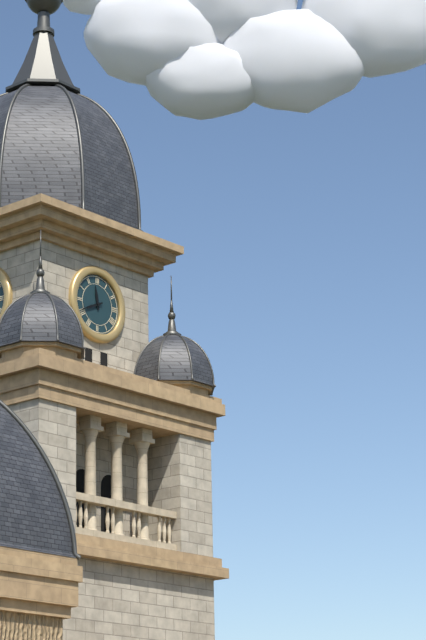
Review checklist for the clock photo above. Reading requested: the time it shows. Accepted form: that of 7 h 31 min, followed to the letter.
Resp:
11 h 41 min
